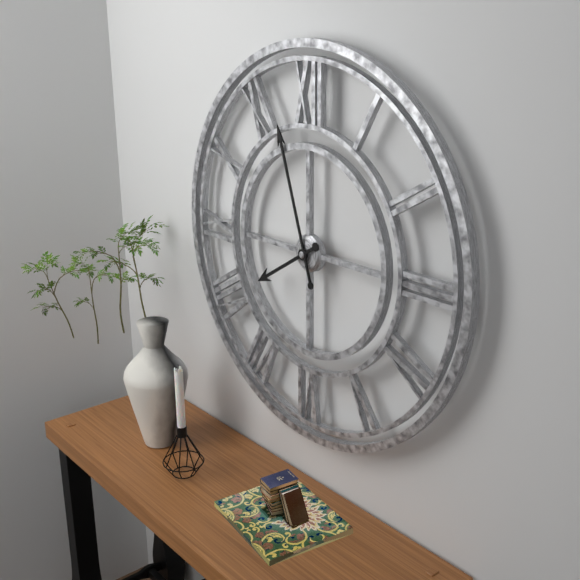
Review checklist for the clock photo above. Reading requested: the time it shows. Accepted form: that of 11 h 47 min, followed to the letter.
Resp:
7 h 57 min
